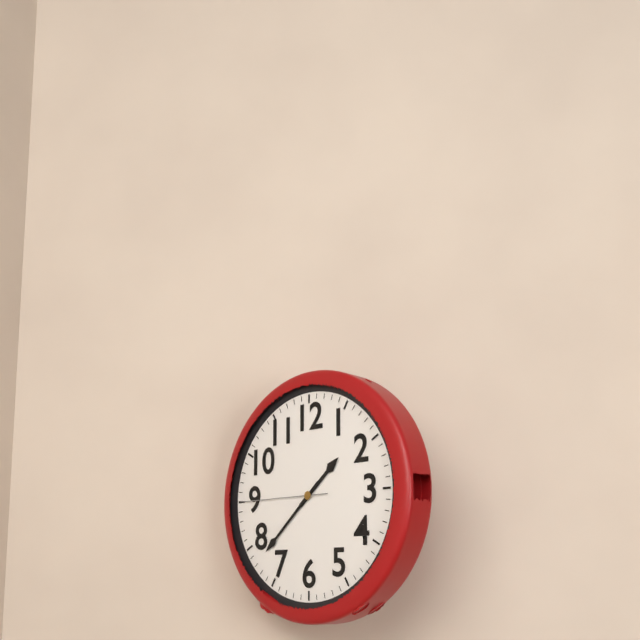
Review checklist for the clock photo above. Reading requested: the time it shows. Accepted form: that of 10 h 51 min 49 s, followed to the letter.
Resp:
1 h 38 min 45 s
